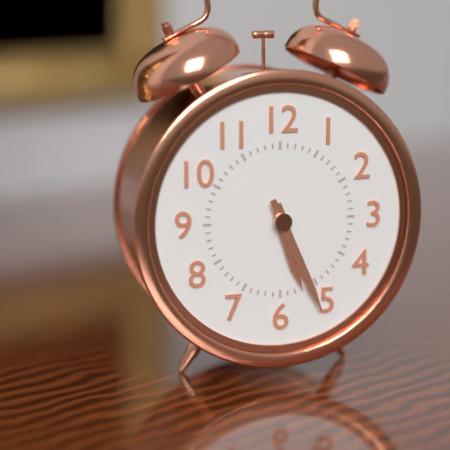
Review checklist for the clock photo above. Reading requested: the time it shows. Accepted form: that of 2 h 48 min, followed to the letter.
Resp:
5 h 26 min
